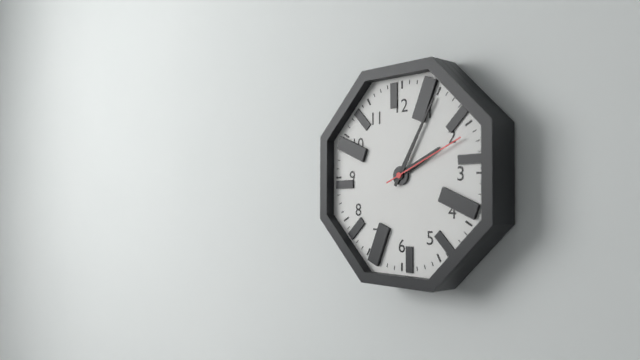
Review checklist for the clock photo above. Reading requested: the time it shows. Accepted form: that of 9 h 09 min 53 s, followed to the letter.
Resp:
2 h 05 min 11 s
